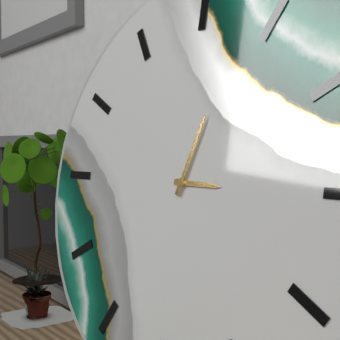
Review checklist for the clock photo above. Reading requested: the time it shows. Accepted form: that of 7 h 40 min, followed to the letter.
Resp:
3 h 03 min
